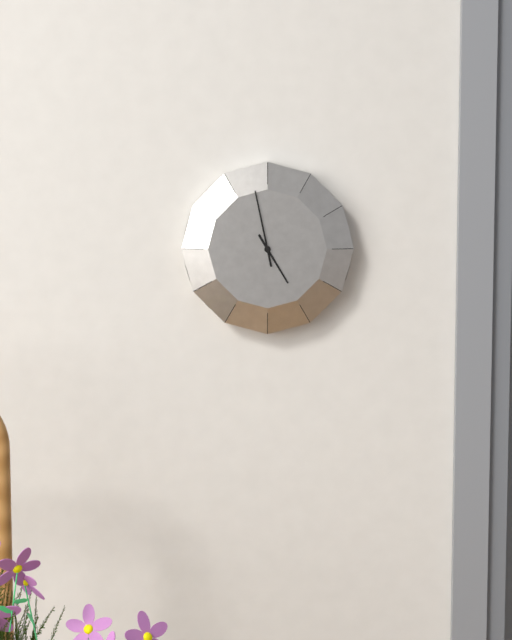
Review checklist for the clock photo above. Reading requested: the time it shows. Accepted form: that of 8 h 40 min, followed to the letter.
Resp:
4 h 58 min
